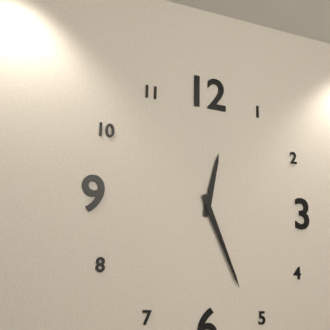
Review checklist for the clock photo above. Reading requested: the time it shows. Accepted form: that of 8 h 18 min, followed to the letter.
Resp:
12 h 26 min
